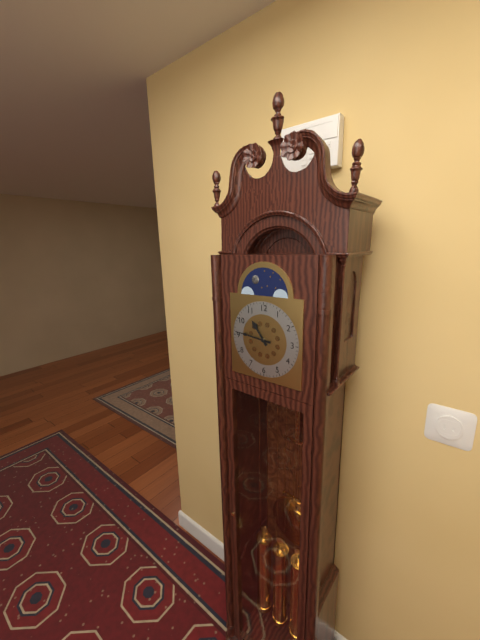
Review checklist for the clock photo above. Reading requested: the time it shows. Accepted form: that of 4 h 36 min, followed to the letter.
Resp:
10 h 46 min
